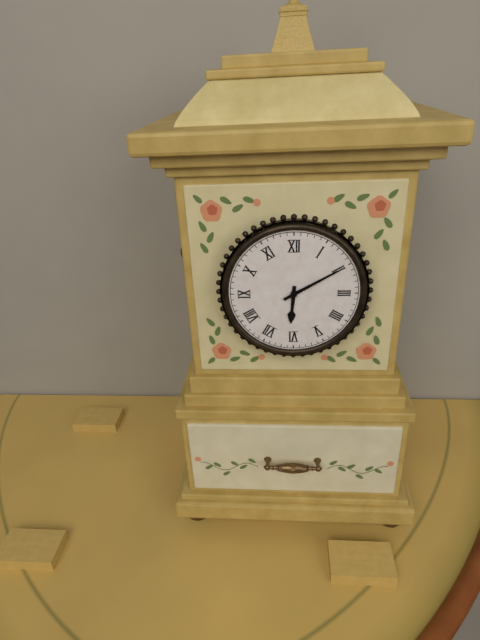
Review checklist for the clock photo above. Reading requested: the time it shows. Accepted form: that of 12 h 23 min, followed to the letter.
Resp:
6 h 10 min
